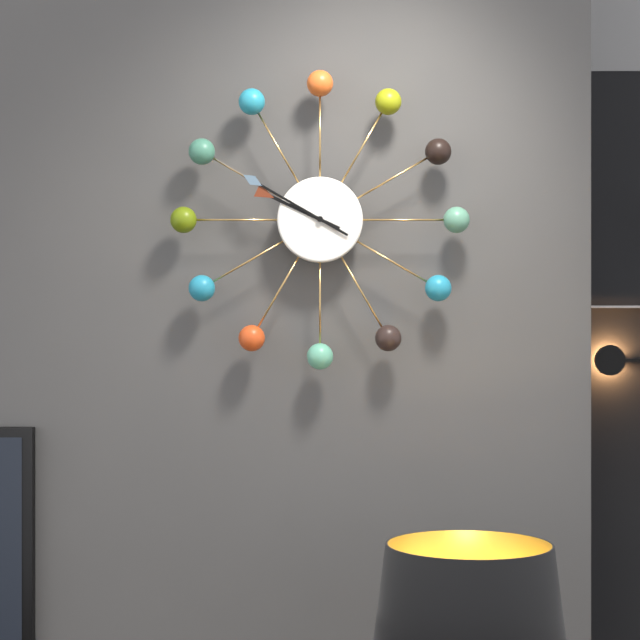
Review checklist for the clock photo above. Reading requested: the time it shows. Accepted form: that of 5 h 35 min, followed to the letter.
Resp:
9 h 50 min
